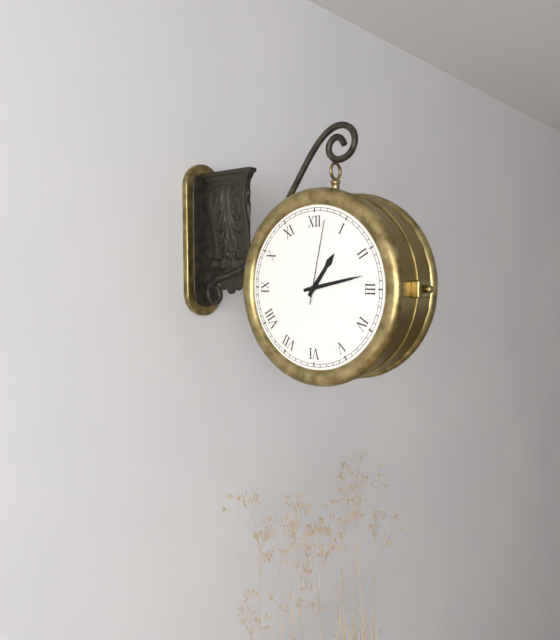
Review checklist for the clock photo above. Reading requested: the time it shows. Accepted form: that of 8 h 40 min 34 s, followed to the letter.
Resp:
1 h 13 min 02 s
